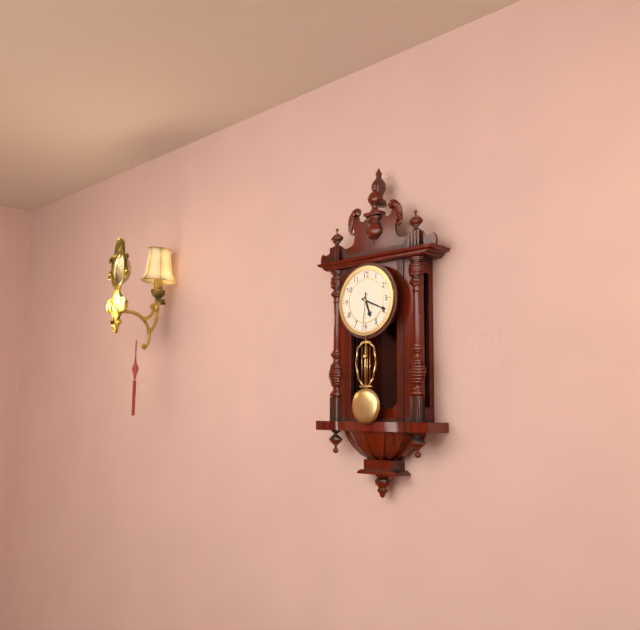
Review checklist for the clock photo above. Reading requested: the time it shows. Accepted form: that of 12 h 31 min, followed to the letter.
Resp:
5 h 19 min
